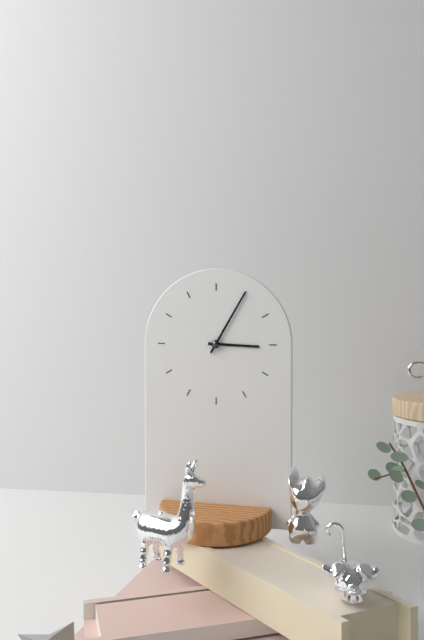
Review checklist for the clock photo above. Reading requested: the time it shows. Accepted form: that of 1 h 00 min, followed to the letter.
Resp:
3 h 05 min
